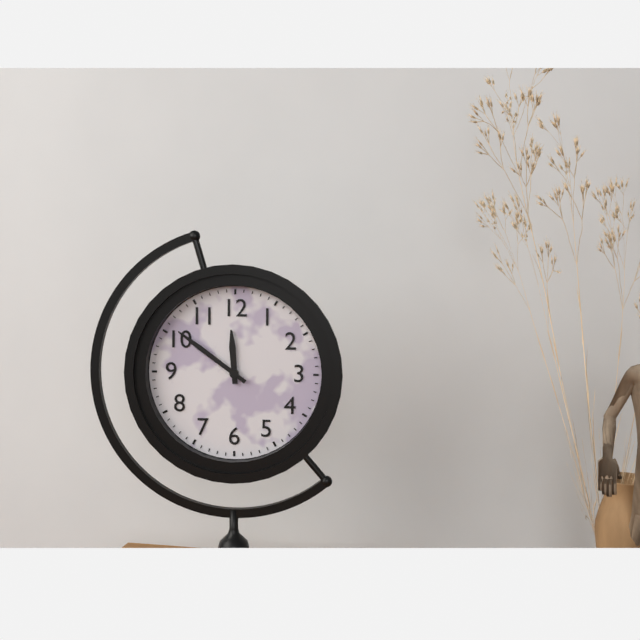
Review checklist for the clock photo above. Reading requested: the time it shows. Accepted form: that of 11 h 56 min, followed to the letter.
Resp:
11 h 51 min
